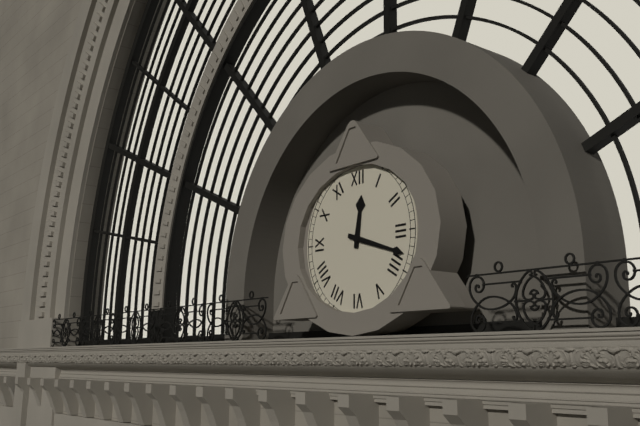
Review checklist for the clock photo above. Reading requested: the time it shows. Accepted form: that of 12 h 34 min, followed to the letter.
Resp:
12 h 18 min
